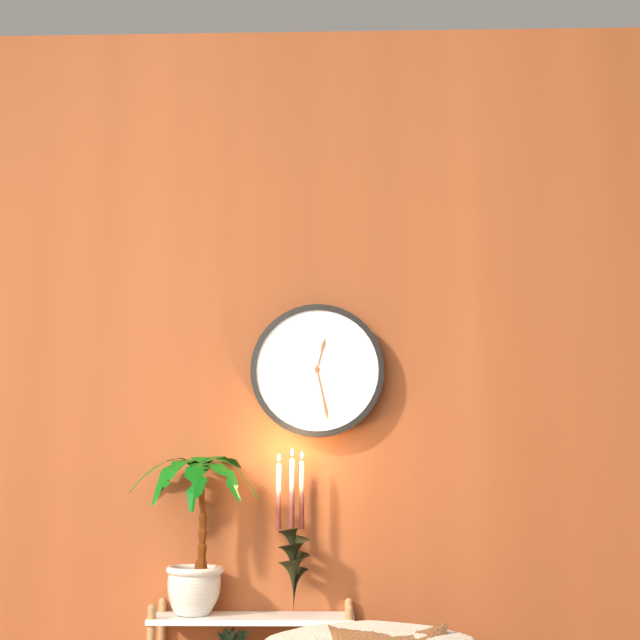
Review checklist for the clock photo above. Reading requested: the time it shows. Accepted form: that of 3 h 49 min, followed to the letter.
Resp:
12 h 28 min
